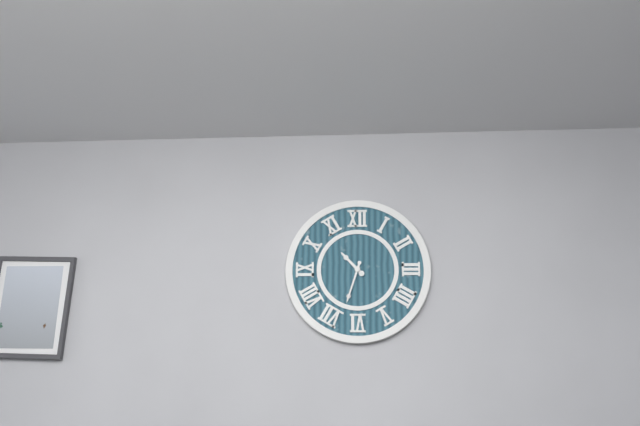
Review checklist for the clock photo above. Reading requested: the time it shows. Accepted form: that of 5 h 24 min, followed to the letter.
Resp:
10 h 33 min
